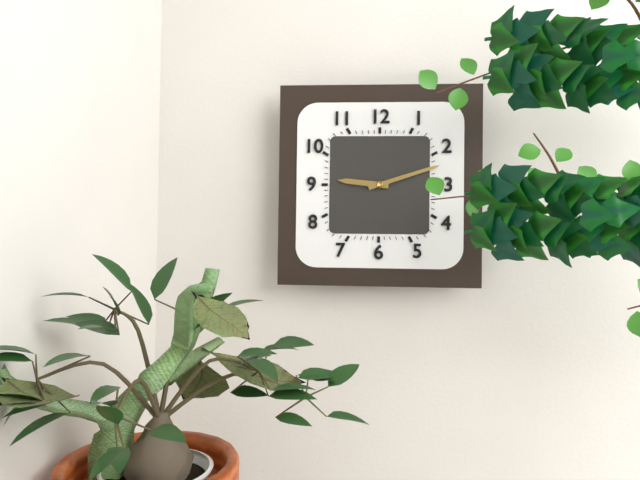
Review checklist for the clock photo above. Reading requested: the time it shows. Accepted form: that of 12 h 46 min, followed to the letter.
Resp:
9 h 12 min
